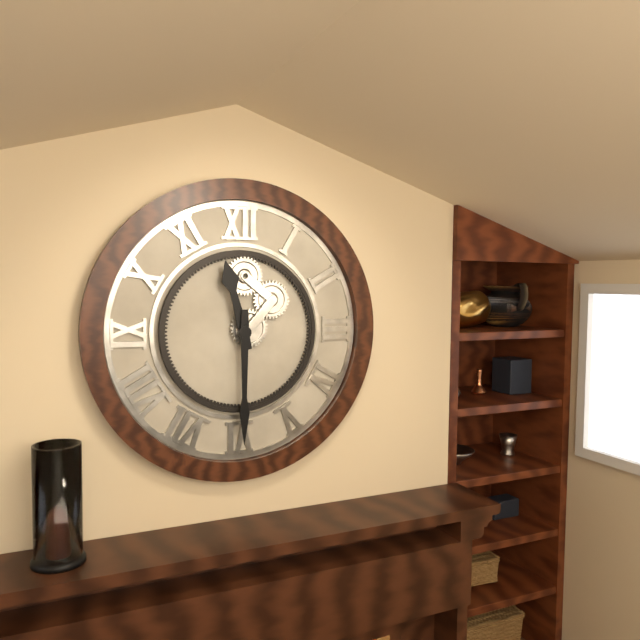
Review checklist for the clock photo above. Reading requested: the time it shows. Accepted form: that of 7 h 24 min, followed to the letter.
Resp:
11 h 30 min
